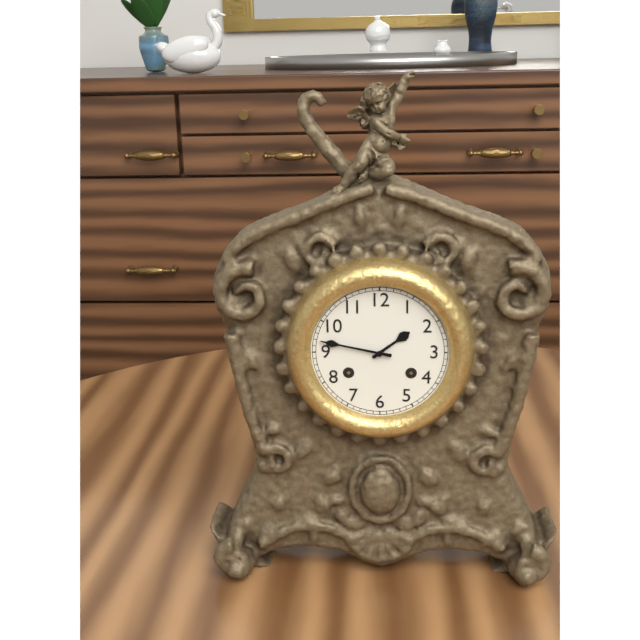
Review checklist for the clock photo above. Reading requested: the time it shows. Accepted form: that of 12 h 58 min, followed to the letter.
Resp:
1 h 47 min
